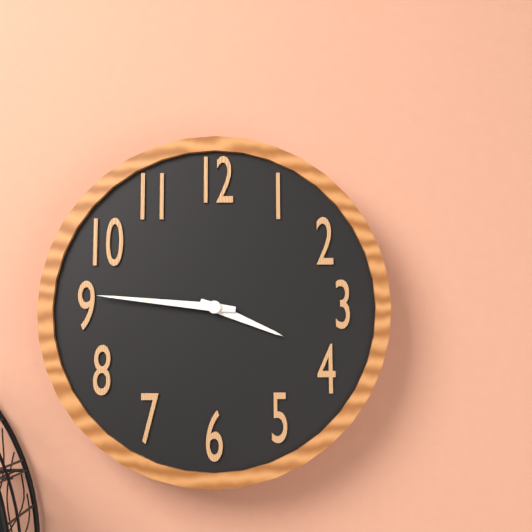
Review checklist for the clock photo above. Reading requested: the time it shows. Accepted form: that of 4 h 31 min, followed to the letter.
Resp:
3 h 46 min
